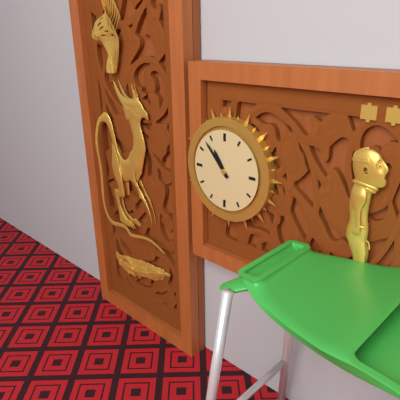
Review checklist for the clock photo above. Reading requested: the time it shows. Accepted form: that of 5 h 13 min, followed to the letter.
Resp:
10 h 53 min
